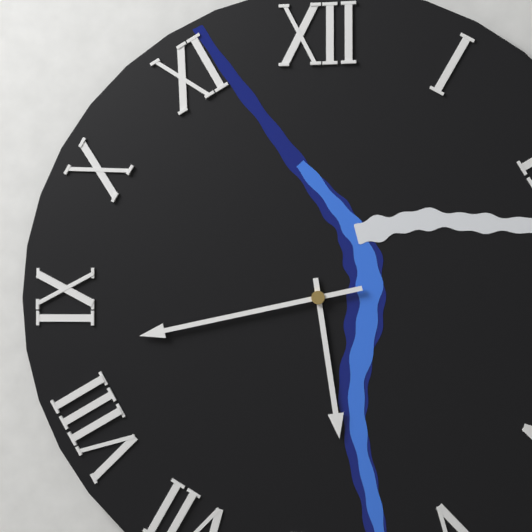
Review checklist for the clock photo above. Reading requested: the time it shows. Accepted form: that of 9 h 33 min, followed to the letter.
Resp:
5 h 43 min
